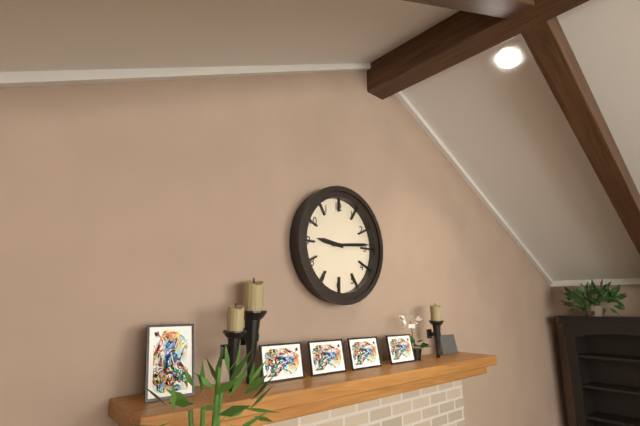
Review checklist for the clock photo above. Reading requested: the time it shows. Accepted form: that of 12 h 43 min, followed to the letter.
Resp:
9 h 14 min
